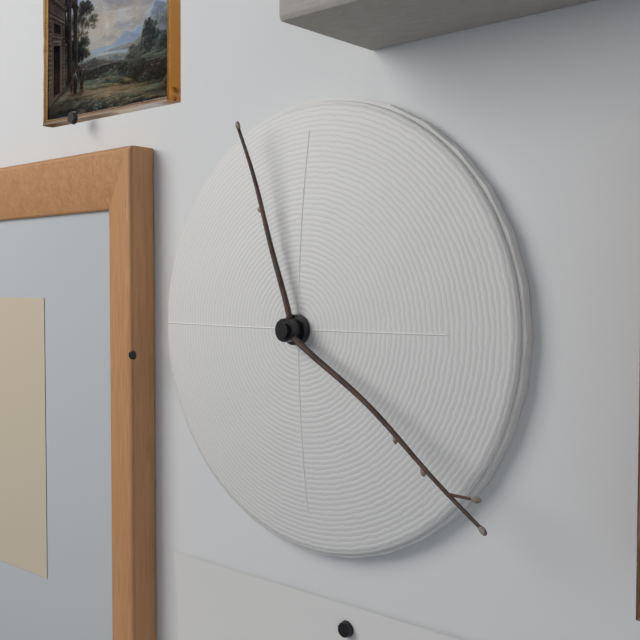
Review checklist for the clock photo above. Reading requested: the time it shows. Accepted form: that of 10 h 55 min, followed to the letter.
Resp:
11 h 21 min
